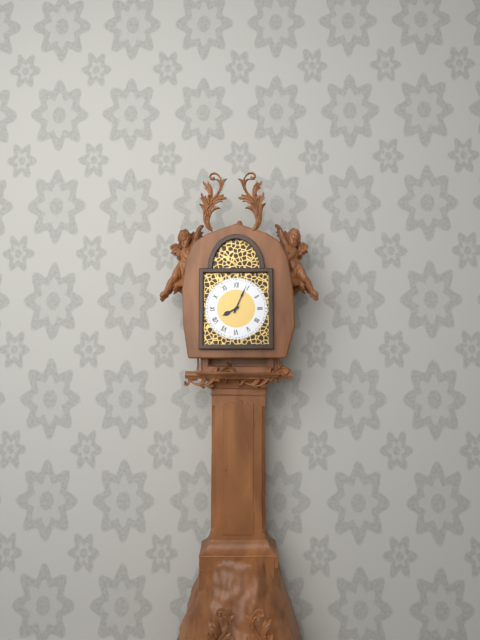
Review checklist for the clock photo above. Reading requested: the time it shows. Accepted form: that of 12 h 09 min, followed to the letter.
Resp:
8 h 04 min
